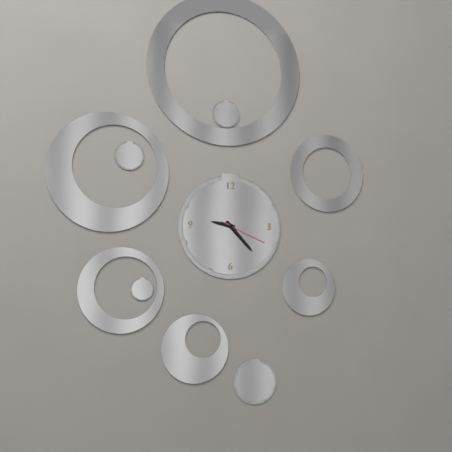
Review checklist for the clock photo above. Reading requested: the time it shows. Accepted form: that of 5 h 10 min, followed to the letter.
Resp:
9 h 23 min
